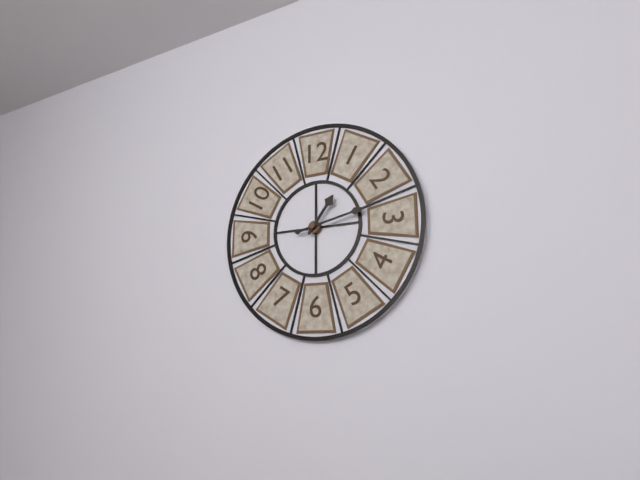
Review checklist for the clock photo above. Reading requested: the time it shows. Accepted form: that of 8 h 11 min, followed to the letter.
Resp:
1 h 13 min
